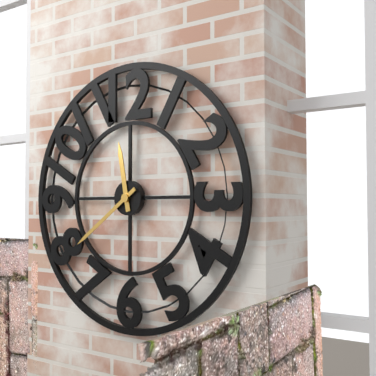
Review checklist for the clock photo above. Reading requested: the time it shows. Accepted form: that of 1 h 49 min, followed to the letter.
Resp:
11 h 39 min
